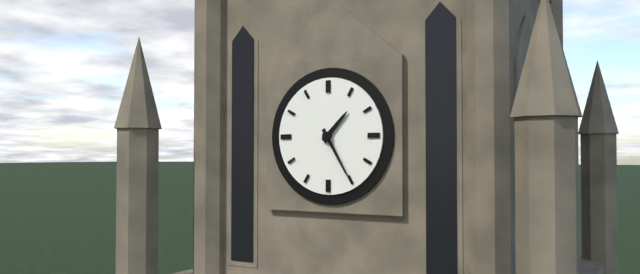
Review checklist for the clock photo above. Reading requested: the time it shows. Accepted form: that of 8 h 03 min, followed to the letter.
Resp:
1 h 25 min
